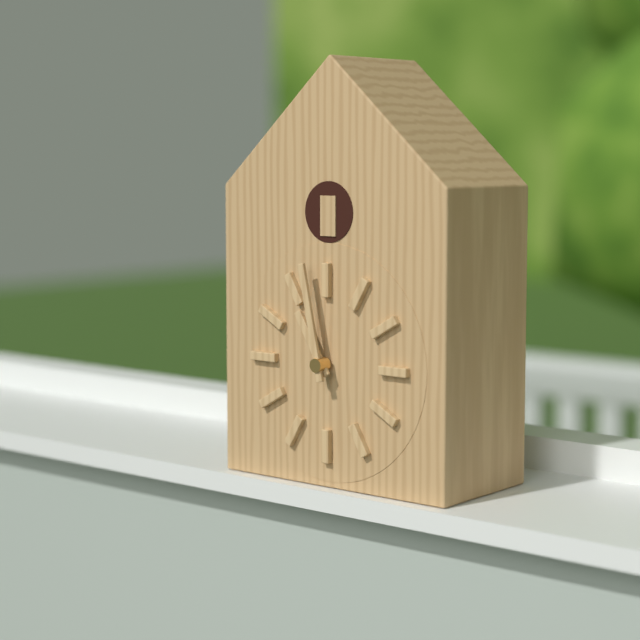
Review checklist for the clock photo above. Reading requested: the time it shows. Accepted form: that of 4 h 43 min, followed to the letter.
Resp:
10 h 58 min
